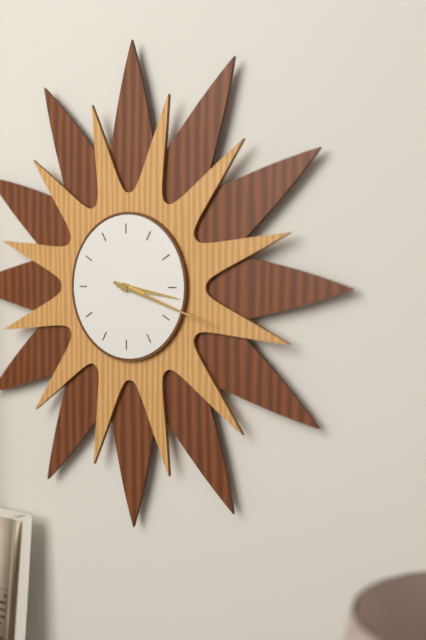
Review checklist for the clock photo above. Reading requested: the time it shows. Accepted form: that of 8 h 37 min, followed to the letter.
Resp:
3 h 18 min
